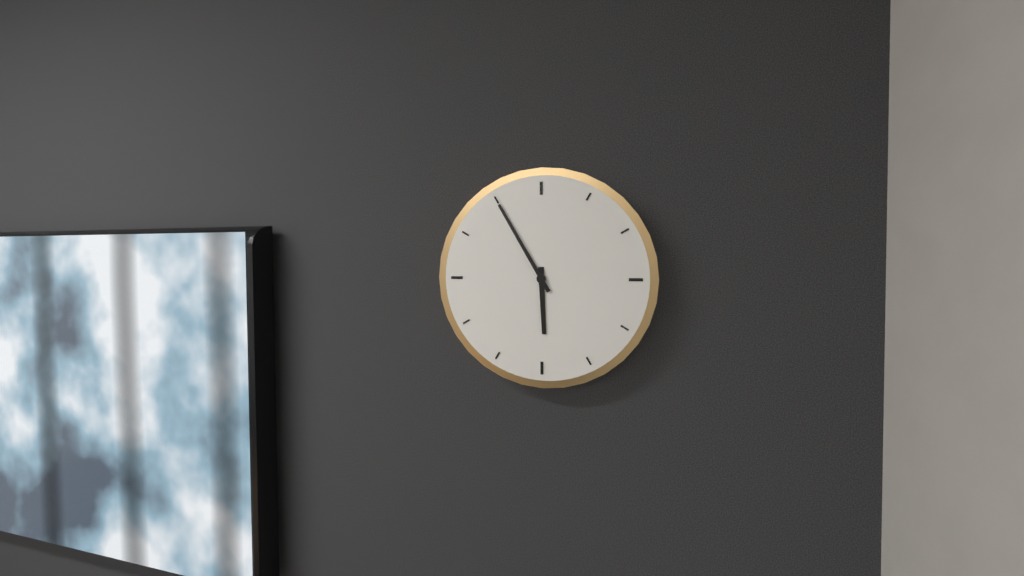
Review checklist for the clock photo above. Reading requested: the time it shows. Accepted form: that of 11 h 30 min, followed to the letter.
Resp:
5 h 55 min
